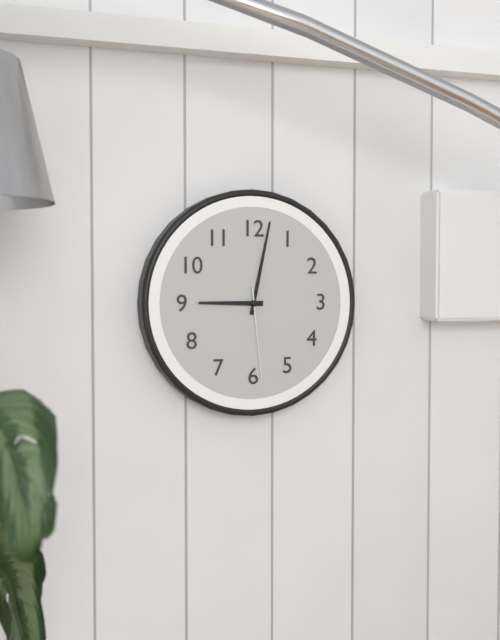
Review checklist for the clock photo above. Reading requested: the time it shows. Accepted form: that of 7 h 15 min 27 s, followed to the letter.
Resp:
9 h 02 min 29 s
